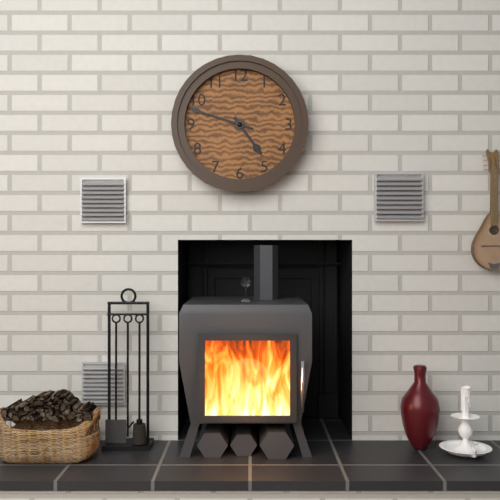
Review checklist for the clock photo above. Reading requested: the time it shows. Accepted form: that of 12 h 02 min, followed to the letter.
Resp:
4 h 48 min
